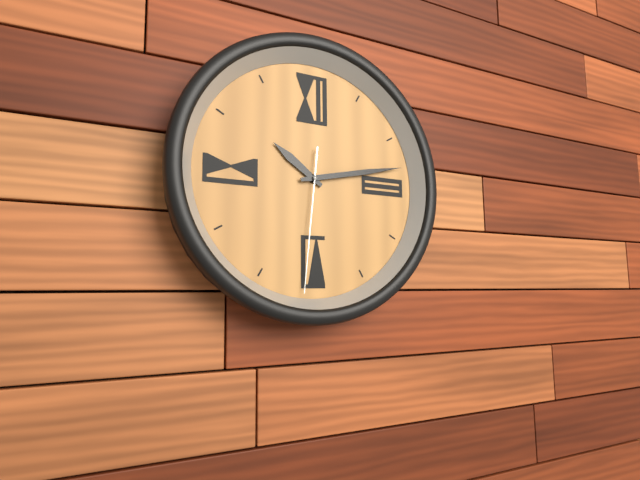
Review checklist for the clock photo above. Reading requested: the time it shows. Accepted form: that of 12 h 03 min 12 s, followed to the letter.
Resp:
10 h 13 min 31 s
